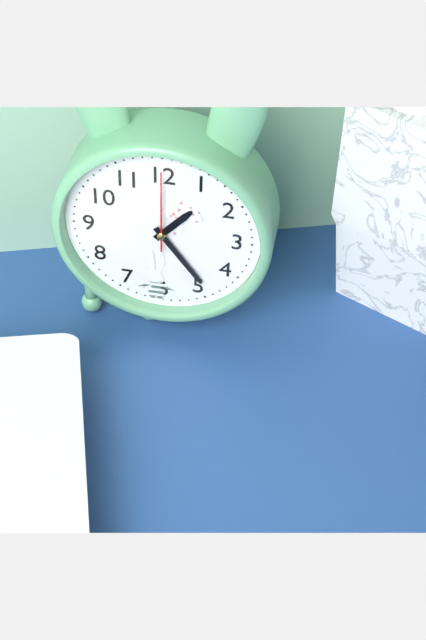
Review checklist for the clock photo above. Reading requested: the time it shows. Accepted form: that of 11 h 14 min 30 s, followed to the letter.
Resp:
1 h 24 min 00 s
